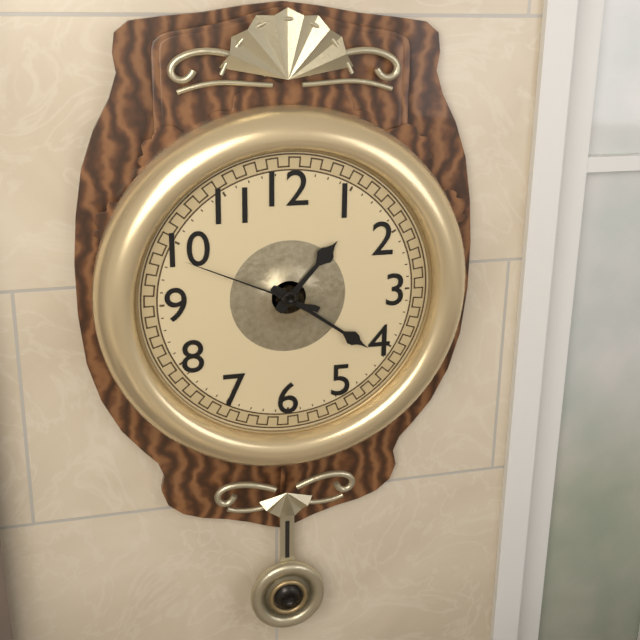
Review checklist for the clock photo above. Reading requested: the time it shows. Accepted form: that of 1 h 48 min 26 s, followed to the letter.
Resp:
1 h 21 min 49 s
